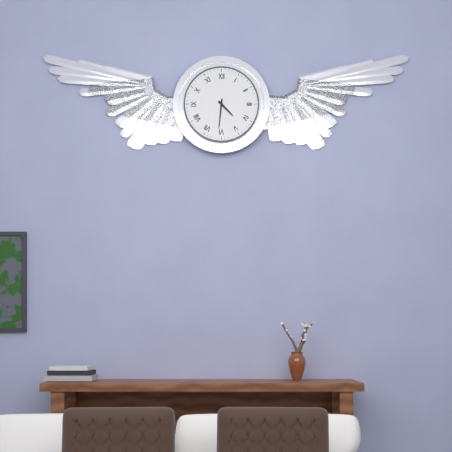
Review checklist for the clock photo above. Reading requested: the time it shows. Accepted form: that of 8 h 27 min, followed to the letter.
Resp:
4 h 31 min
